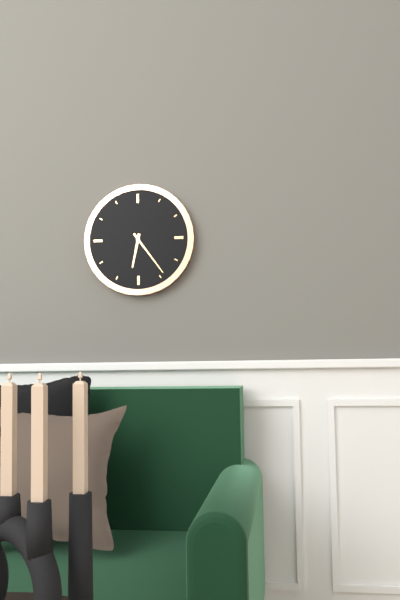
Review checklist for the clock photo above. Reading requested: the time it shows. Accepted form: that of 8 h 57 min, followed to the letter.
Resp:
6 h 24 min
